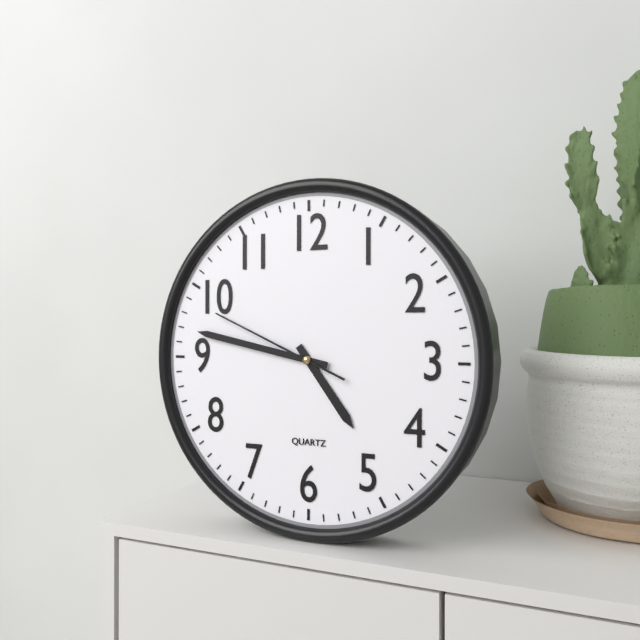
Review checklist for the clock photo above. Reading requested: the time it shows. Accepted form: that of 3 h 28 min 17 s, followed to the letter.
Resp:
4 h 47 min 49 s
